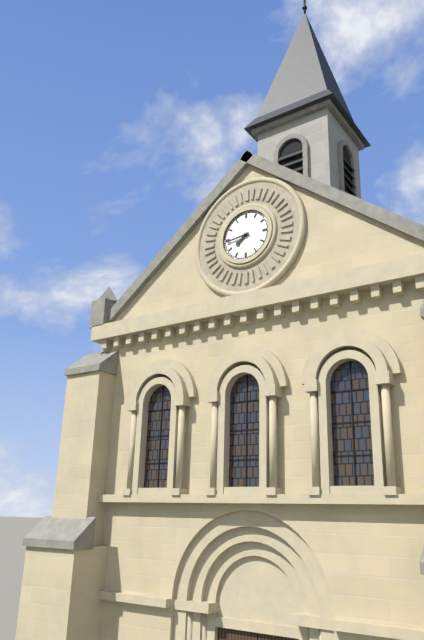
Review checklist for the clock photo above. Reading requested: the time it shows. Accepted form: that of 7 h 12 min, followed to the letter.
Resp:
7 h 44 min
